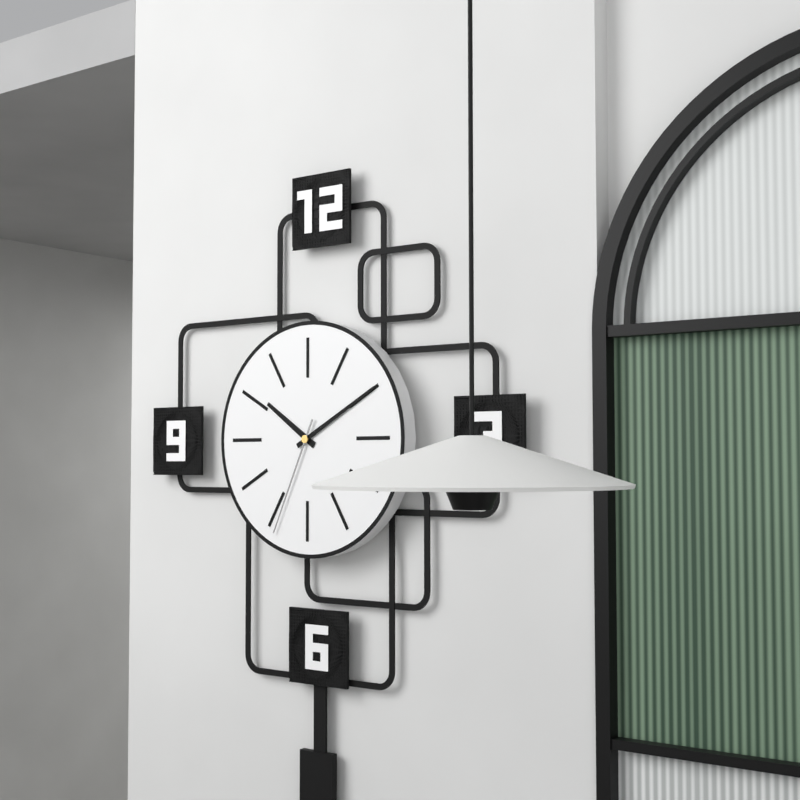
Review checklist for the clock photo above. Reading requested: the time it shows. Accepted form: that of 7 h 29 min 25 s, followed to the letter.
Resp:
10 h 10 min 34 s
